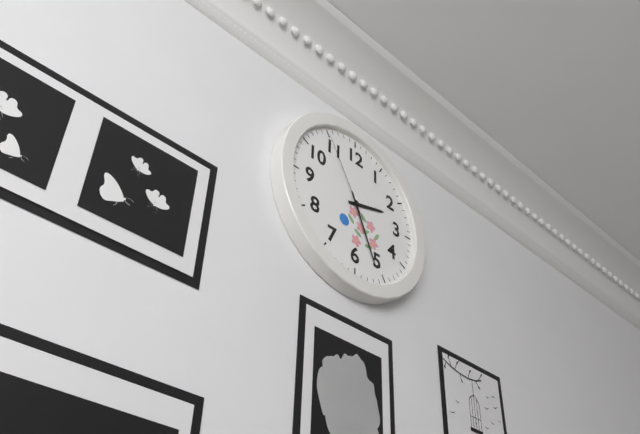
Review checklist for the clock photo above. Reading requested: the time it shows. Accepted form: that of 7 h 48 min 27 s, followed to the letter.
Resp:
2 h 26 min 55 s
